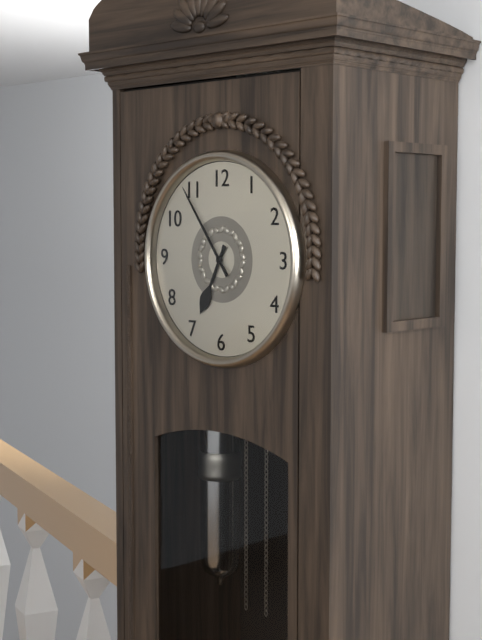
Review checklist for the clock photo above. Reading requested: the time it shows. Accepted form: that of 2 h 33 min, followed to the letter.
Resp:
6 h 54 min
